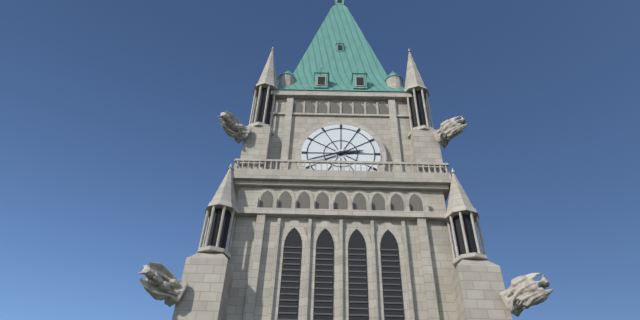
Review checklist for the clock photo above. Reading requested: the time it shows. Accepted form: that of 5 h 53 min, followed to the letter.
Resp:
2 h 42 min
